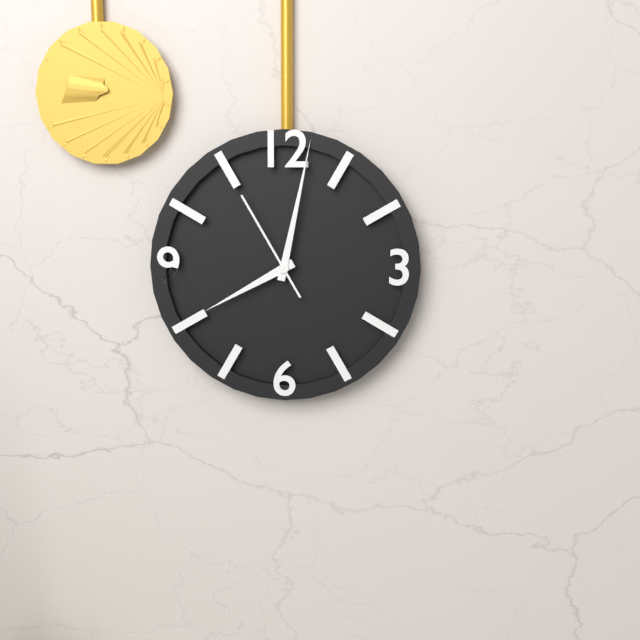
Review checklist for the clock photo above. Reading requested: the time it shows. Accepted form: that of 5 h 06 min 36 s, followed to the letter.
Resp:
8 h 02 min 55 s
